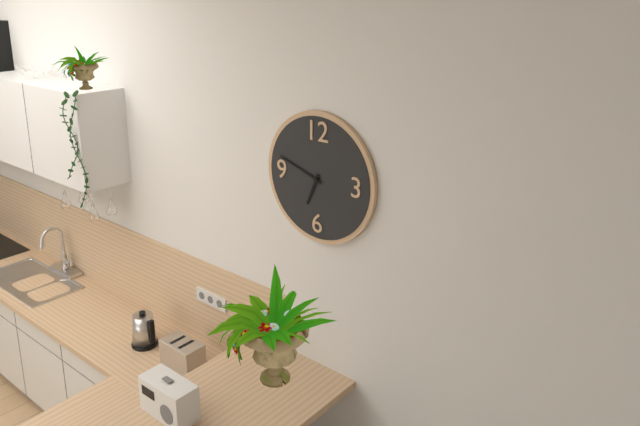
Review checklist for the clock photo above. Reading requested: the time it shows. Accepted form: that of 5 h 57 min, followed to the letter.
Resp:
6 h 48 min
